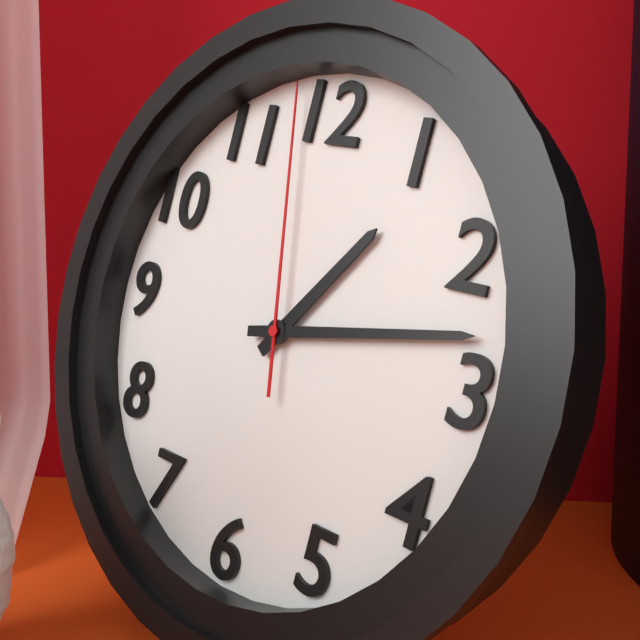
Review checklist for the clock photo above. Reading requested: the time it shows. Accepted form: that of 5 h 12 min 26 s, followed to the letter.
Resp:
1 h 13 min 58 s
